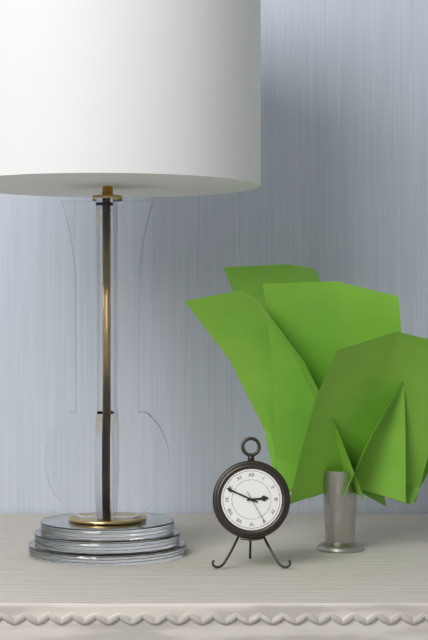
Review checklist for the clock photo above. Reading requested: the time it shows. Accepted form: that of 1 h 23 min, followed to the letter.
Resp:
2 h 49 min
